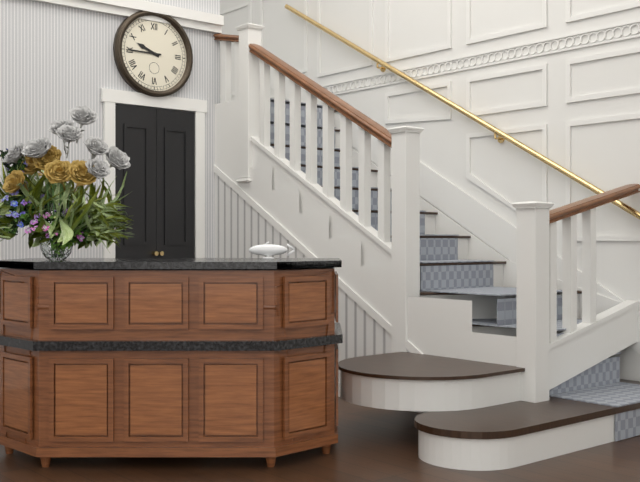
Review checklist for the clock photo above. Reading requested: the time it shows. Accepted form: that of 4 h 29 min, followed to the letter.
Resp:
9 h 45 min
